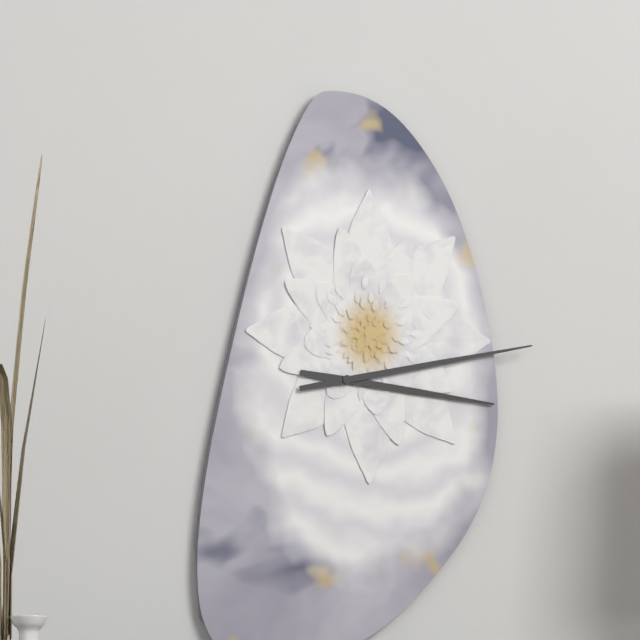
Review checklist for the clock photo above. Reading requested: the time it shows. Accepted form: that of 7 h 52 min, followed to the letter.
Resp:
3 h 13 min
